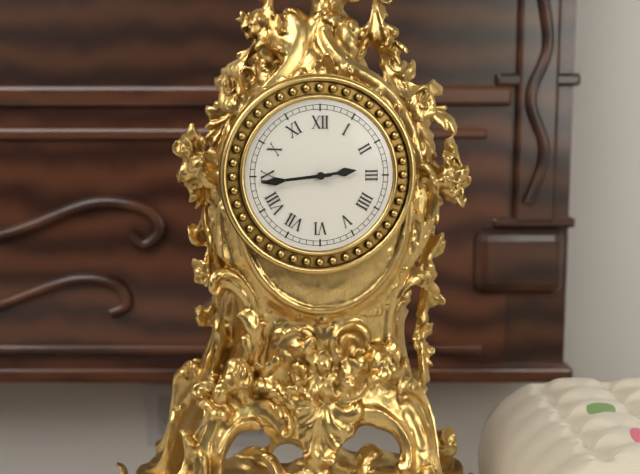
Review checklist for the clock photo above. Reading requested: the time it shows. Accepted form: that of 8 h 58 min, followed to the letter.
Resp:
2 h 44 min
